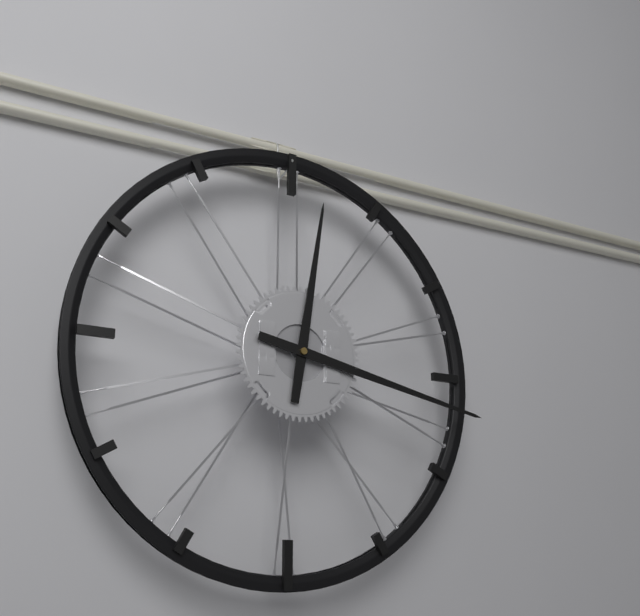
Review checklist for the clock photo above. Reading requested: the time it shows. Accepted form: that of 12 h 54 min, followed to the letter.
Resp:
12 h 17 min
